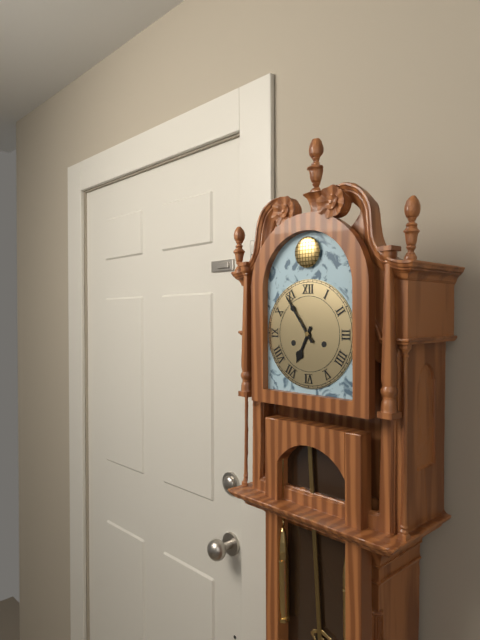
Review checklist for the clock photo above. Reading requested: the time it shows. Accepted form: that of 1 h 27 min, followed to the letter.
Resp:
6 h 54 min
